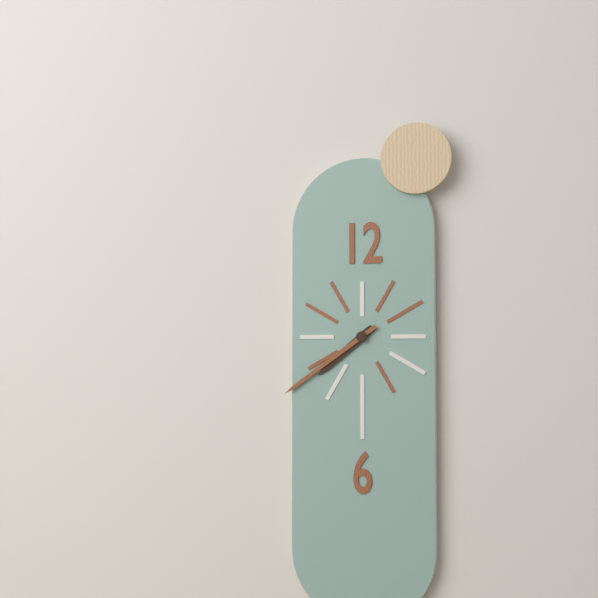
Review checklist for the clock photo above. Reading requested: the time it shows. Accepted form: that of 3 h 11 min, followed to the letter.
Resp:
7 h 39 min
